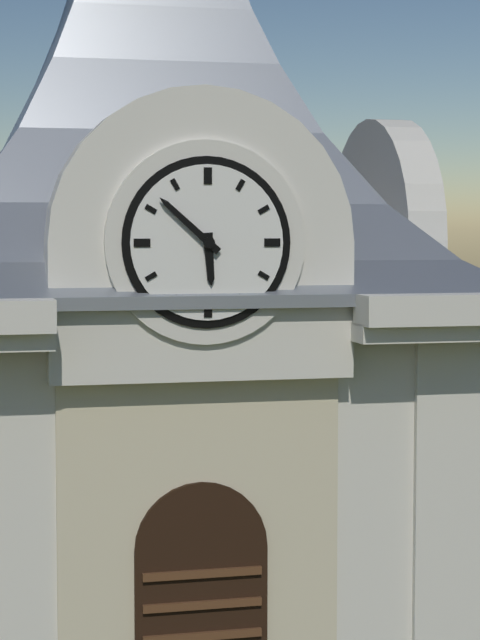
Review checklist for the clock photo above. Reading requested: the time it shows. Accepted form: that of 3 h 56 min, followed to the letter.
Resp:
5 h 52 min
